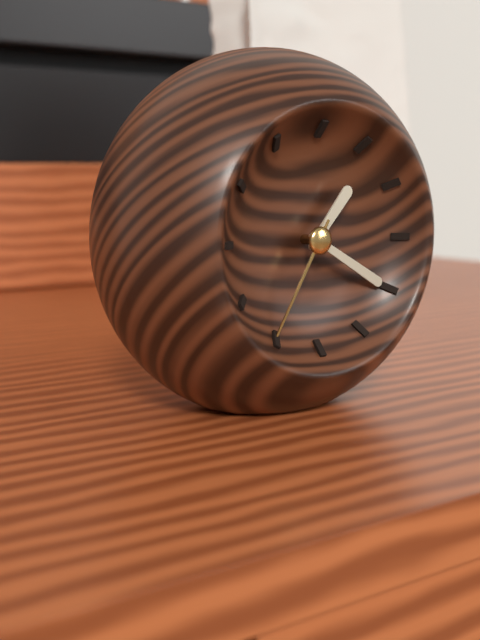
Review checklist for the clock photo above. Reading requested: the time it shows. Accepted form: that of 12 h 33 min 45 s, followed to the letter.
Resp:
1 h 20 min 35 s
